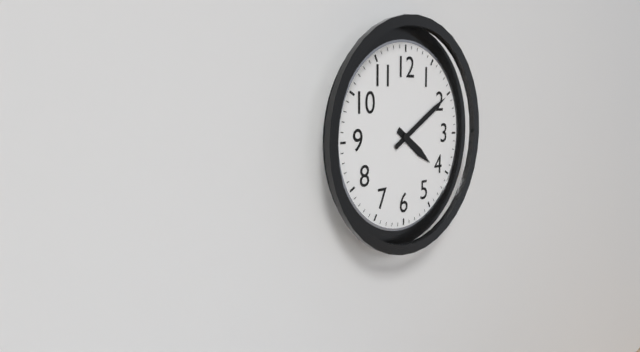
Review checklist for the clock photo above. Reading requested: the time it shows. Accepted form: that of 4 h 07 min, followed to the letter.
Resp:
4 h 10 min
